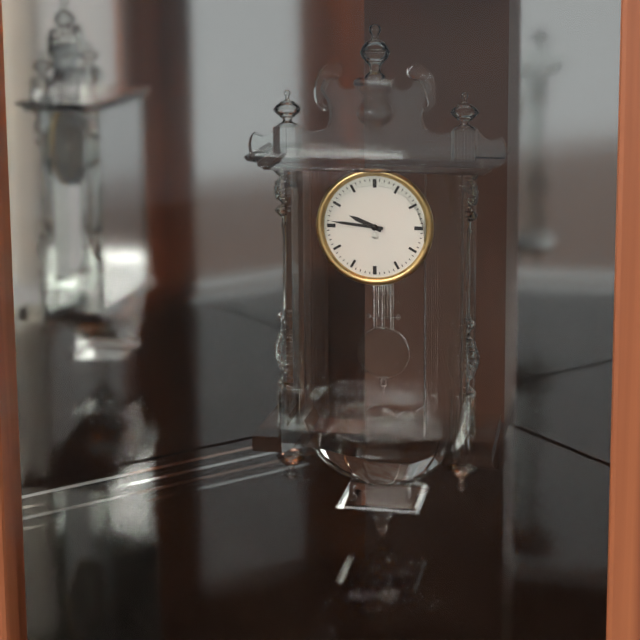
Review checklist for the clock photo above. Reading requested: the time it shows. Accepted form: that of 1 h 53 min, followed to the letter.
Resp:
9 h 46 min
